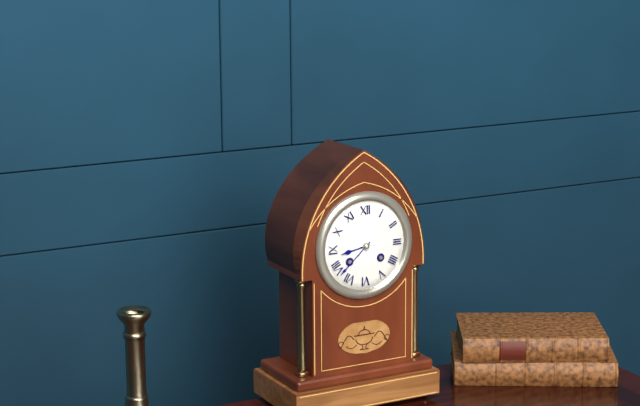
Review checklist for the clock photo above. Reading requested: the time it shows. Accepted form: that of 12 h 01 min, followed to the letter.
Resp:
8 h 38 min
